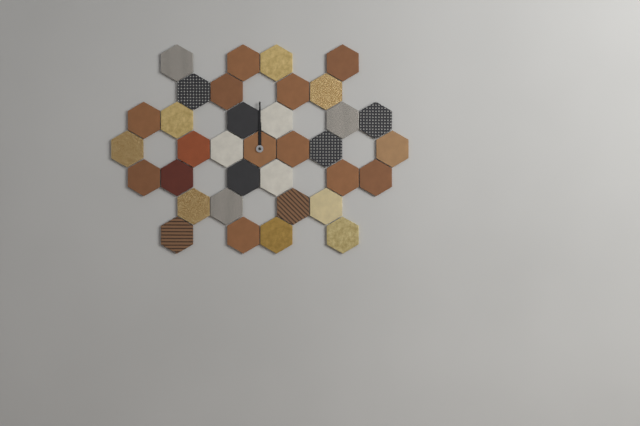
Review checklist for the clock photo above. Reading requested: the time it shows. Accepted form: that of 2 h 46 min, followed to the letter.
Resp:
12 h 00 min
